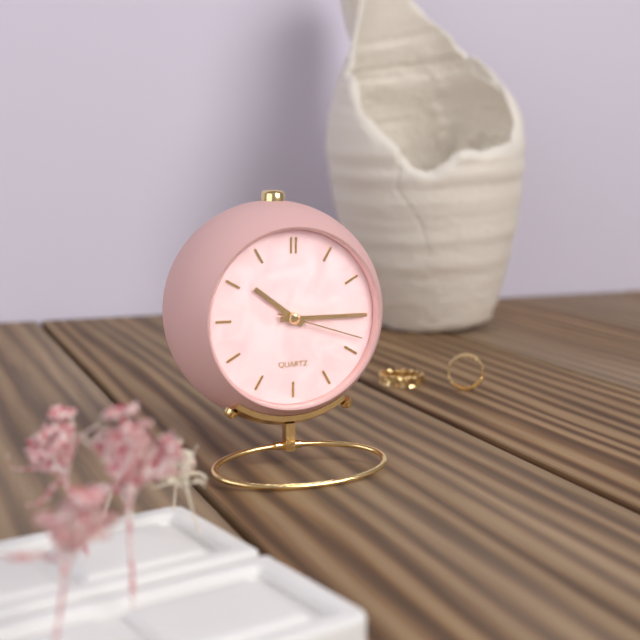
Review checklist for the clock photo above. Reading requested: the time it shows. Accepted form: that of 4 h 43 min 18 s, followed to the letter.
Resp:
10 h 15 min 18 s
